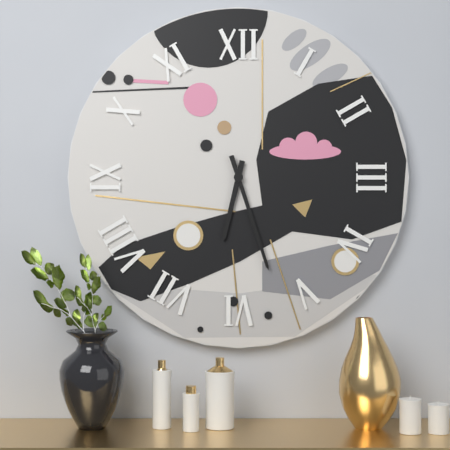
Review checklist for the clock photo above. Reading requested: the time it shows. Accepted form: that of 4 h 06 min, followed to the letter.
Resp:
6 h 27 min
